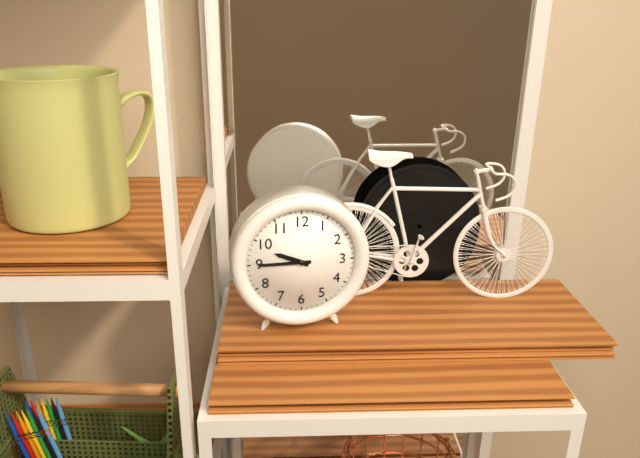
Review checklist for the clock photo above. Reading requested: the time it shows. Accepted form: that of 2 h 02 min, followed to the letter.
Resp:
9 h 45 min
